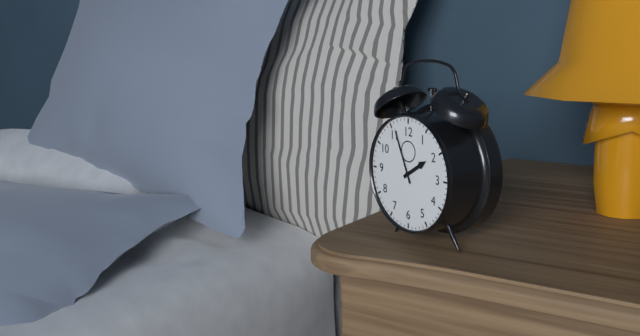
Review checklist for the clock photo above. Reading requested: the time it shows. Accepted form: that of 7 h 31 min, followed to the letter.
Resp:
1 h 56 min
